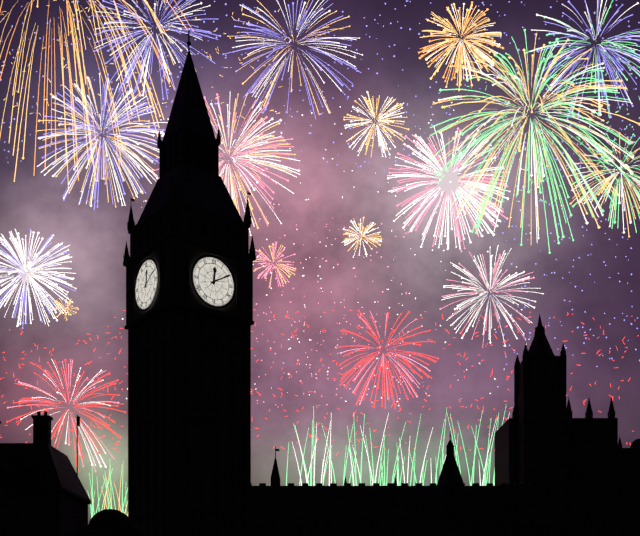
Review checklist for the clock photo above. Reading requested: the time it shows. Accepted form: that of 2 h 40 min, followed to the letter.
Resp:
12 h 10 min
